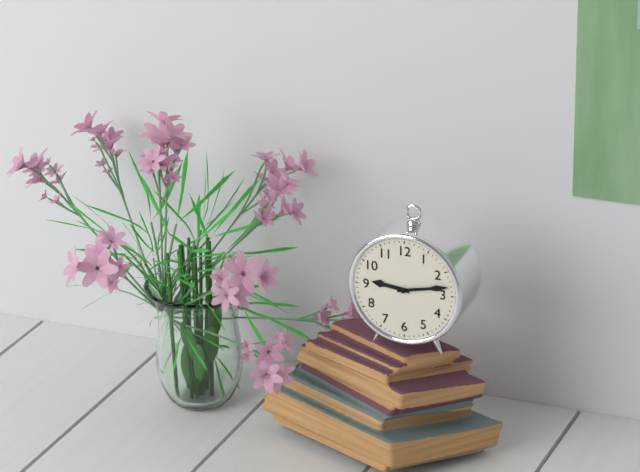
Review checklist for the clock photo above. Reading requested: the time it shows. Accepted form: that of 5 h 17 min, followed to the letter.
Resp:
9 h 13 min
